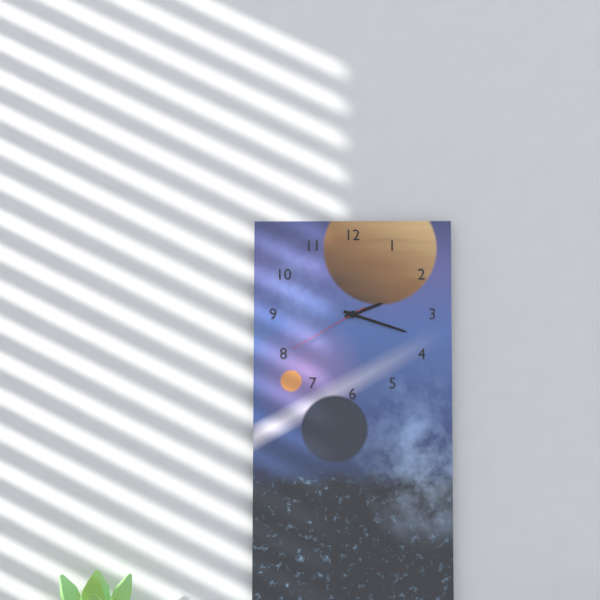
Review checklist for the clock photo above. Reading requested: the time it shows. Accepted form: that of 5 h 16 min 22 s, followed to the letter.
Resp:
2 h 18 min 40 s
